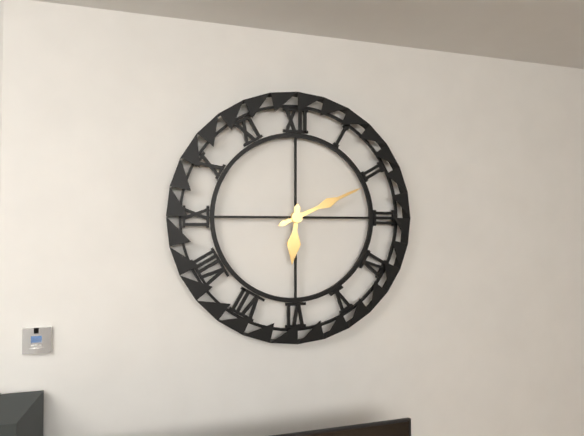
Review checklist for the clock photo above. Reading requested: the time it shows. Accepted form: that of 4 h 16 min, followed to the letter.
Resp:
6 h 11 min
